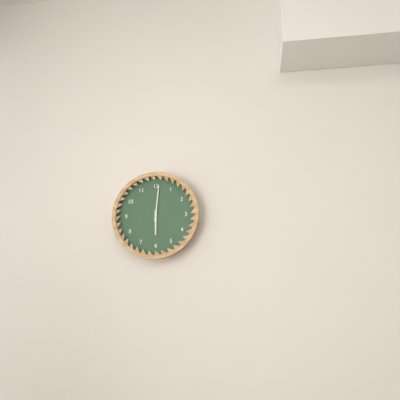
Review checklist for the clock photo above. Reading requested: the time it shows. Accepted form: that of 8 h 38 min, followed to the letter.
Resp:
6 h 01 min
